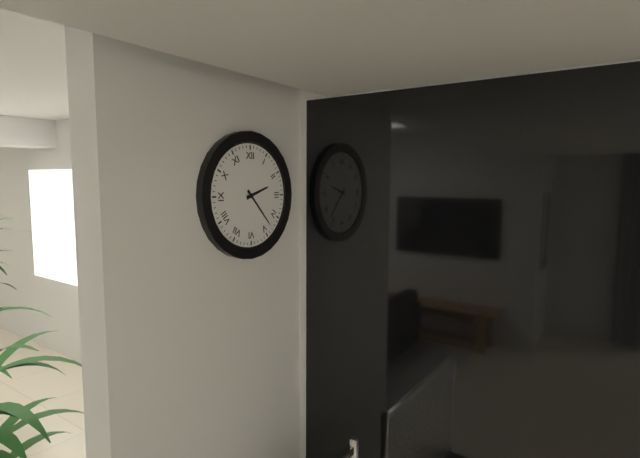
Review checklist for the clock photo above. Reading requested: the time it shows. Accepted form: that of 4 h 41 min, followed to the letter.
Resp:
2 h 23 min
